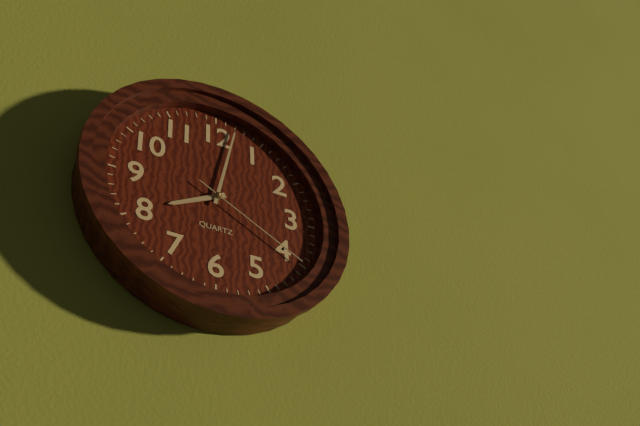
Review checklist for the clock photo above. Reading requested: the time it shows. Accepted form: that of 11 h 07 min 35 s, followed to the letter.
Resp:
8 h 02 min 20 s
